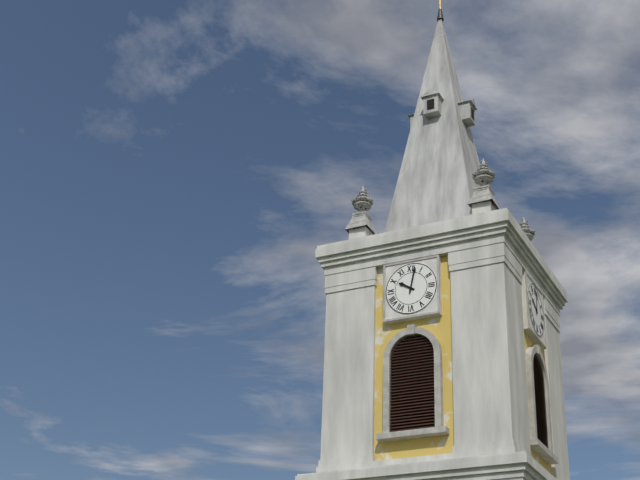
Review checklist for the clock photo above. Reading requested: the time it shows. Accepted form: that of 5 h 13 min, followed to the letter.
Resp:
10 h 02 min
